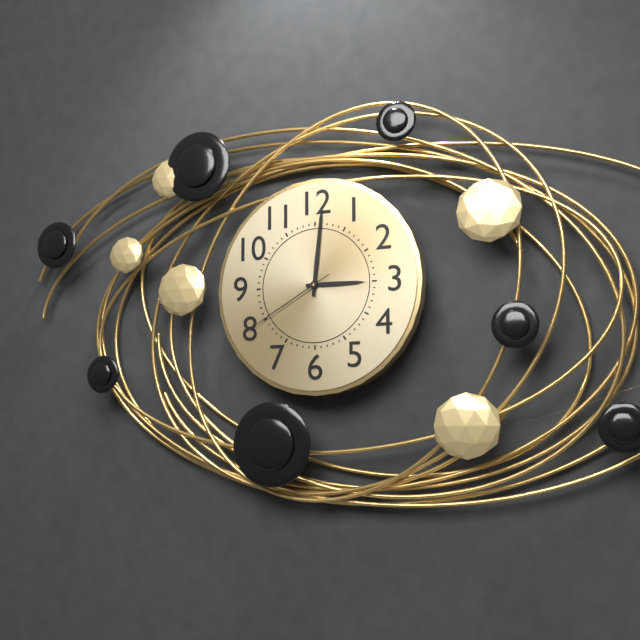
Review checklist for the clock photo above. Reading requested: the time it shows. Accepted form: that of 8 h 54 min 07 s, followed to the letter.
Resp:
3 h 01 min 40 s
